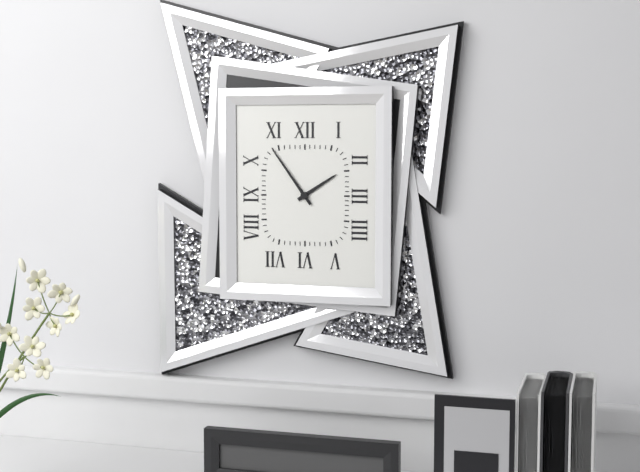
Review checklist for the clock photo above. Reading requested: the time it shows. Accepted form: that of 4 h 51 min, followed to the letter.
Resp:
1 h 54 min
